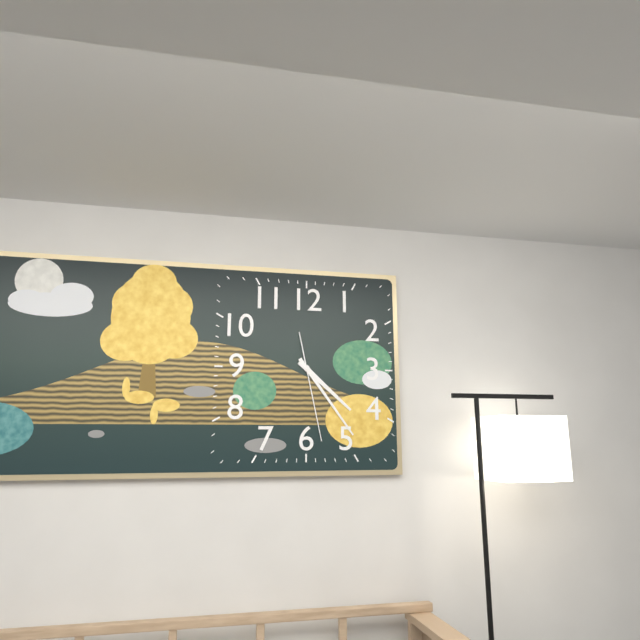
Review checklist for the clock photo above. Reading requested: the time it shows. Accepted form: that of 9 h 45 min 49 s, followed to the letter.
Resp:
4 h 24 min 28 s
